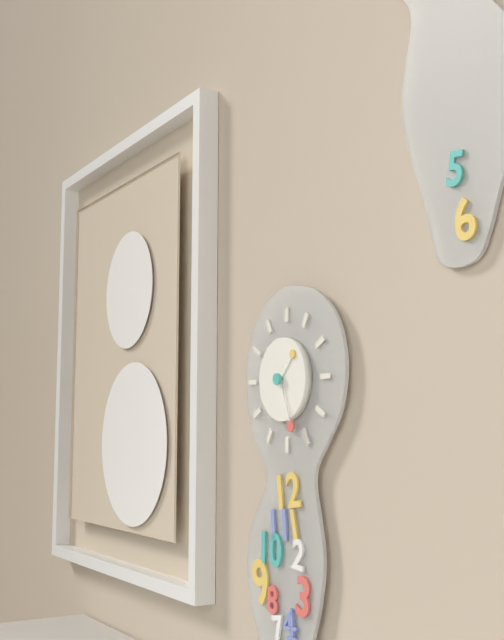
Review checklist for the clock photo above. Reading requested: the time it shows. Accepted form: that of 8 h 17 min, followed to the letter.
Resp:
1 h 26 min
